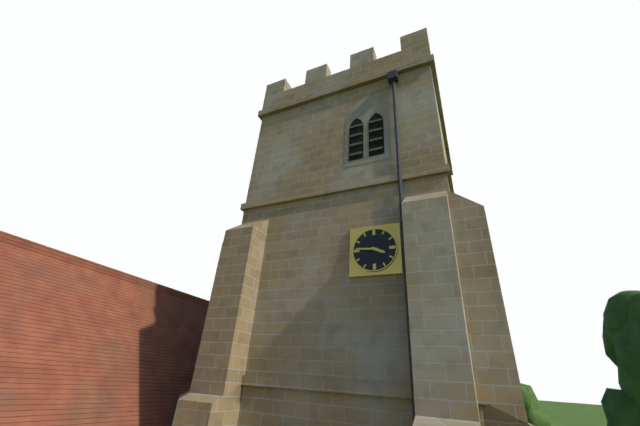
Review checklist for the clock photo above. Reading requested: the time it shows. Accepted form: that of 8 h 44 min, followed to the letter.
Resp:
3 h 46 min
